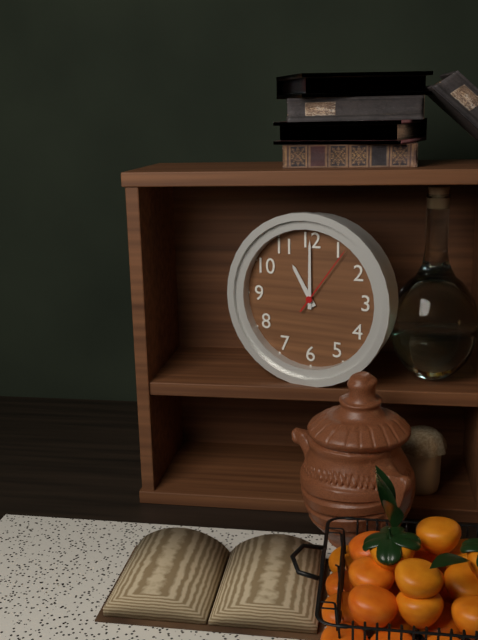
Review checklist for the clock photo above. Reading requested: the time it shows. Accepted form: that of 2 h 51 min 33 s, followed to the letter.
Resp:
11 h 00 min 06 s
